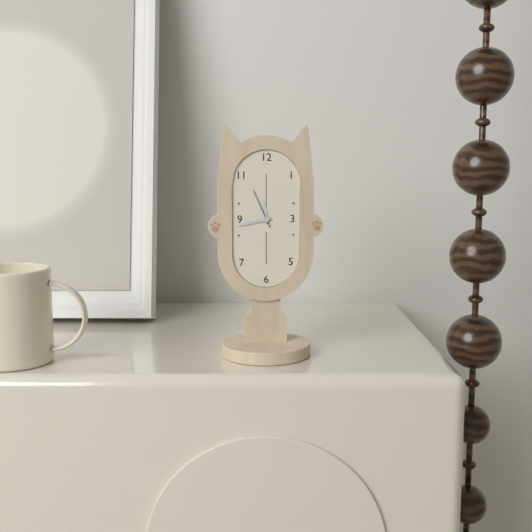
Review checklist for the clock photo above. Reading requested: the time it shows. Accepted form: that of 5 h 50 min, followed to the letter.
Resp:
11 h 43 min
